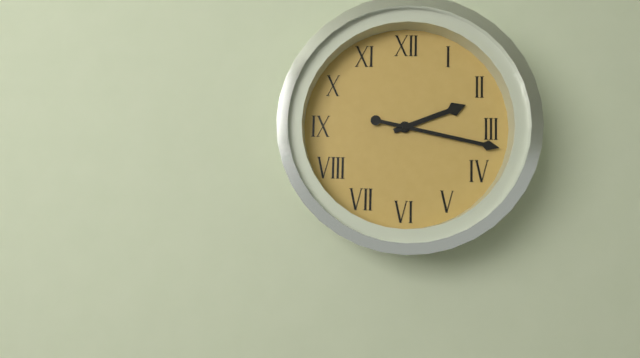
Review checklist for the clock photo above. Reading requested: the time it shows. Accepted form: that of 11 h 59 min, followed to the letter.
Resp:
2 h 17 min
